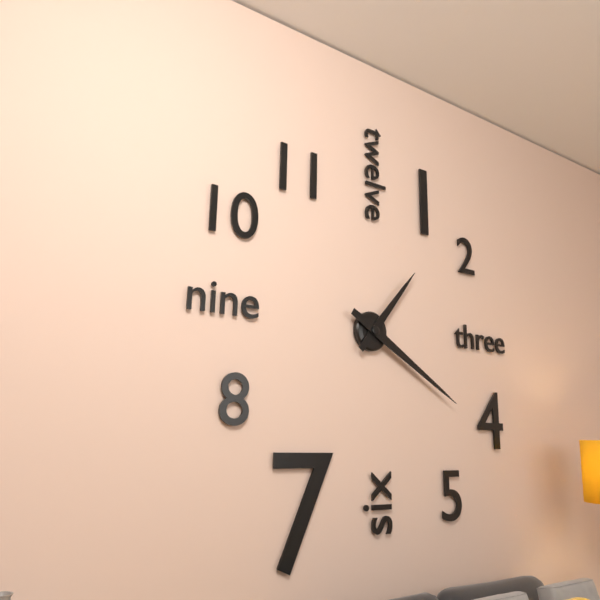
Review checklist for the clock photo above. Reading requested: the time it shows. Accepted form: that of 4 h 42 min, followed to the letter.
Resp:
1 h 20 min
